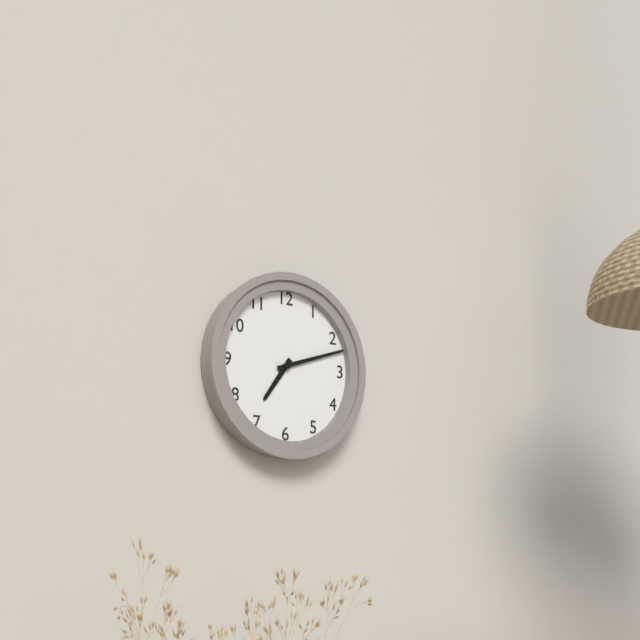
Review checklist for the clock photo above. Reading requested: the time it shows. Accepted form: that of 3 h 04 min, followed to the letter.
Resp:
7 h 12 min
